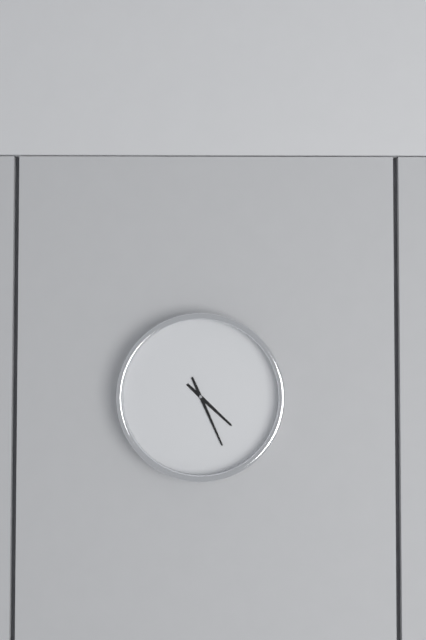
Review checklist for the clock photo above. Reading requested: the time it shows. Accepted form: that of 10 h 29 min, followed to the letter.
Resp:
4 h 26 min
